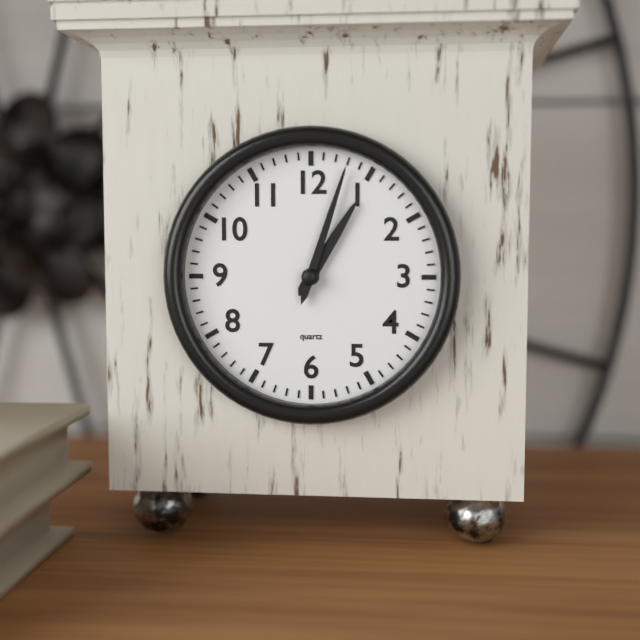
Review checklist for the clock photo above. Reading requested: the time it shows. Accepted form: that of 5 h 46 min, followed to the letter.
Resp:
1 h 03 min
